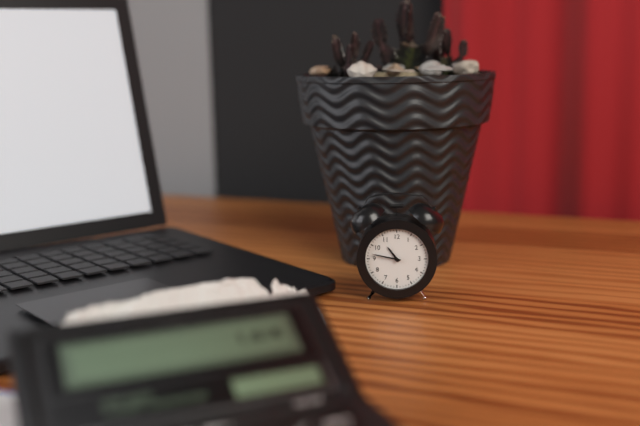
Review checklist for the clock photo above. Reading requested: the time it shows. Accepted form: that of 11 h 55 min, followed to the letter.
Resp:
10 h 47 min
